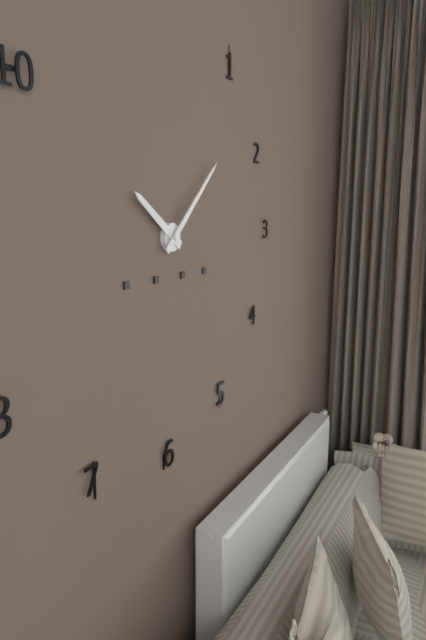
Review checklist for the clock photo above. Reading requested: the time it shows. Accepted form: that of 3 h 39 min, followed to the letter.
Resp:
10 h 08 min
